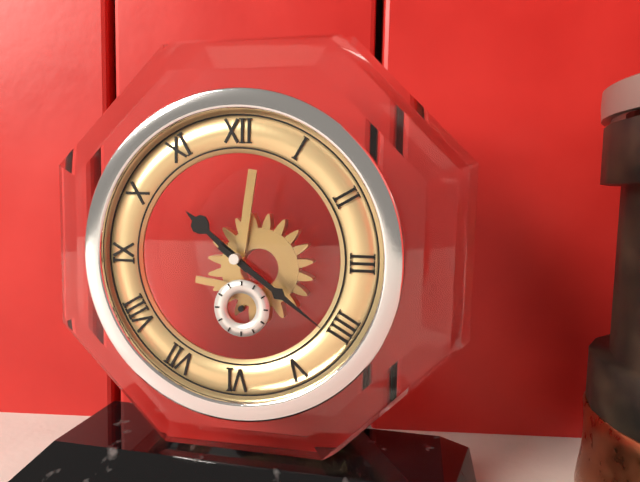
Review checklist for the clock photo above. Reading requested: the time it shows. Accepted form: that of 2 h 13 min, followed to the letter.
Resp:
10 h 21 min
